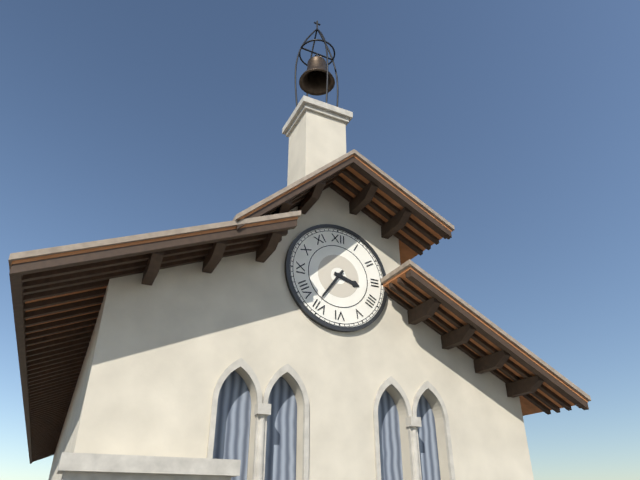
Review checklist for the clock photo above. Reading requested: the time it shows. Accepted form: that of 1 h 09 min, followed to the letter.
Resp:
3 h 36 min
